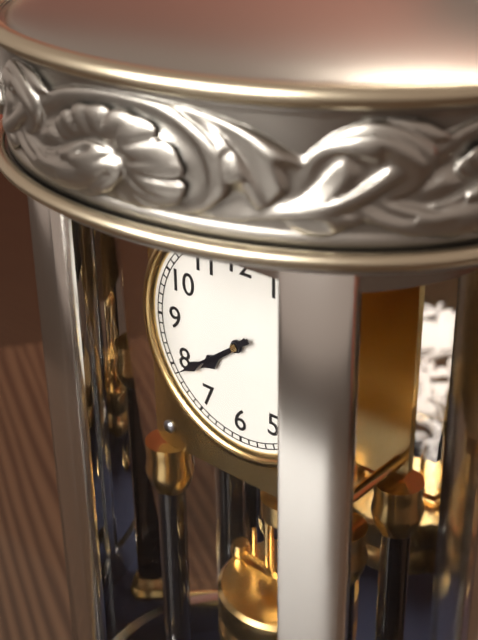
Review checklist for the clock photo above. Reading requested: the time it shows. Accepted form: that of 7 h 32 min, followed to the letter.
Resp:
7 h 39 min
